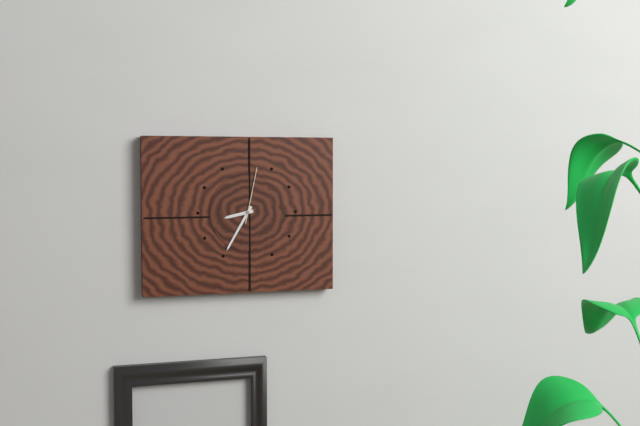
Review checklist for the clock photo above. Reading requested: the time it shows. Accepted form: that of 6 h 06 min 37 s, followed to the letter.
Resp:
8 h 35 min 02 s
